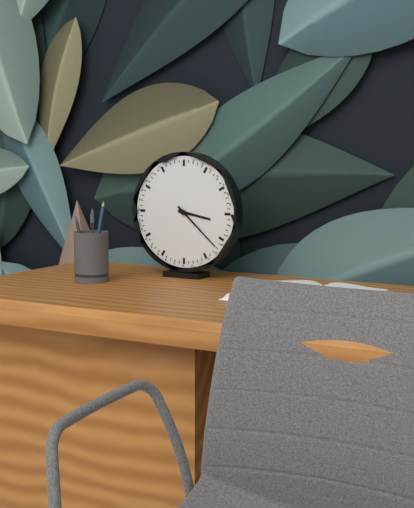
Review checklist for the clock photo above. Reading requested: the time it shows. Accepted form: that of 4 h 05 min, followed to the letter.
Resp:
3 h 22 min
